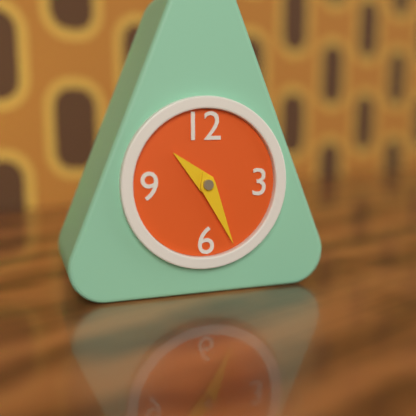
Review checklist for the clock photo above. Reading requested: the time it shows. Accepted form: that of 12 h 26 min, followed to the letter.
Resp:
10 h 26 min
